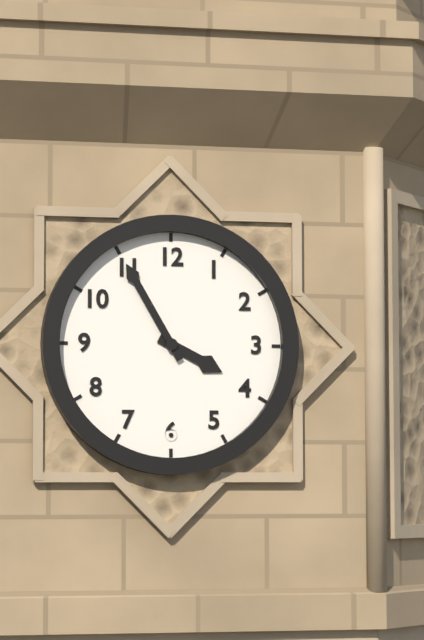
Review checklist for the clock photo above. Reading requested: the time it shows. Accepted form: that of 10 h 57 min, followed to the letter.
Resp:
3 h 55 min
